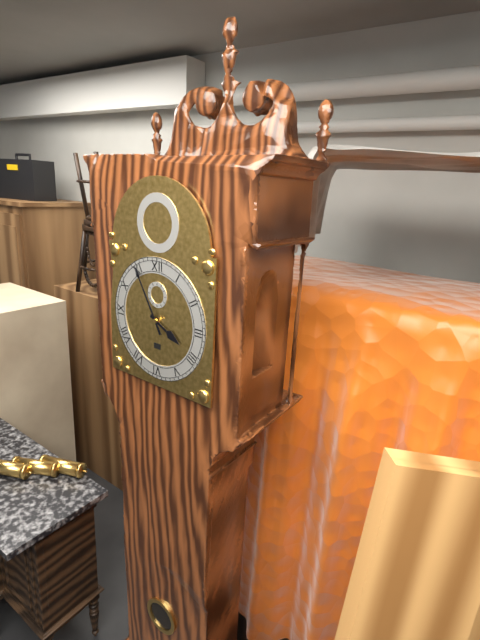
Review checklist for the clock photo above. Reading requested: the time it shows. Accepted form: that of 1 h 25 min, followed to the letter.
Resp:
3 h 55 min
